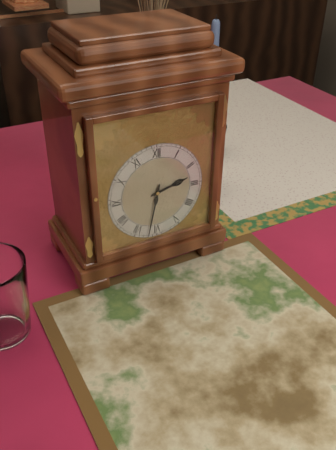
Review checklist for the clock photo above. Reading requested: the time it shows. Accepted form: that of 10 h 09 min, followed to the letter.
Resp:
2 h 32 min
